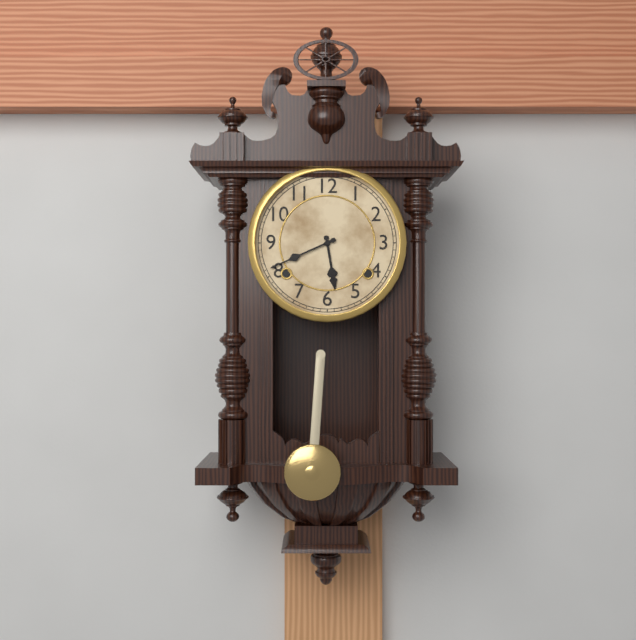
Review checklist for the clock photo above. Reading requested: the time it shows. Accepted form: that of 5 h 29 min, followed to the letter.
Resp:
5 h 41 min
